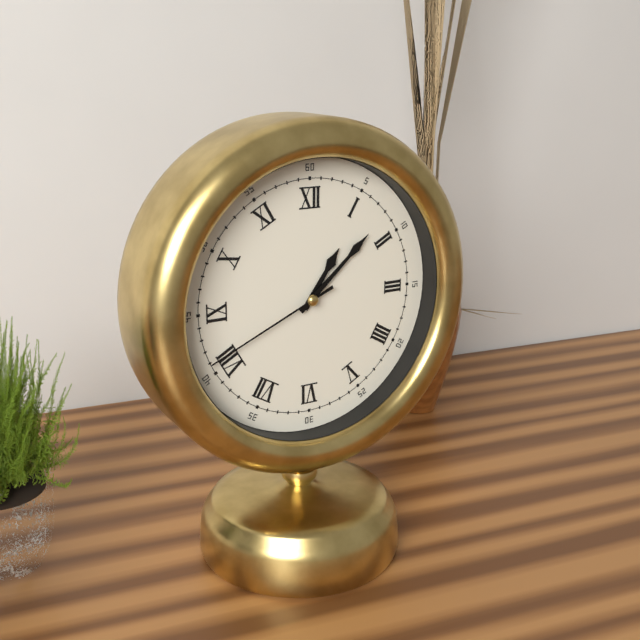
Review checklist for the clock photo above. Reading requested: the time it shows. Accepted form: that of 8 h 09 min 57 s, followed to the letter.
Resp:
1 h 08 min 41 s
